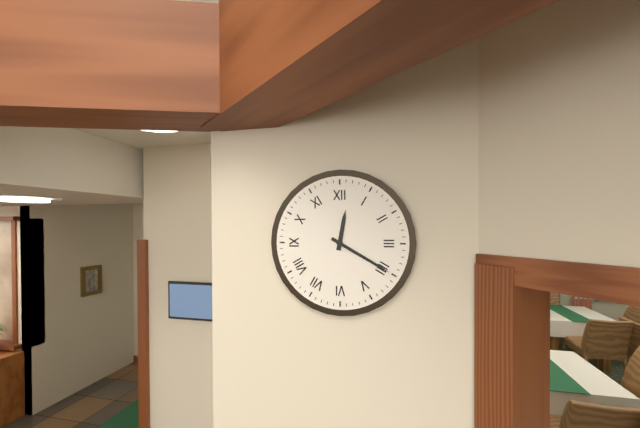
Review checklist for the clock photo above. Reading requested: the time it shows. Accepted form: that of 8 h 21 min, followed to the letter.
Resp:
12 h 20 min
